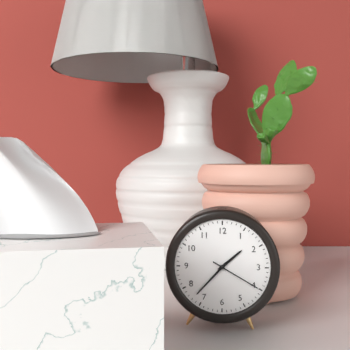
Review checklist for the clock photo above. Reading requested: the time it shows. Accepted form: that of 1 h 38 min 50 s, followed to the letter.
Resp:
1 h 37 min 20 s
